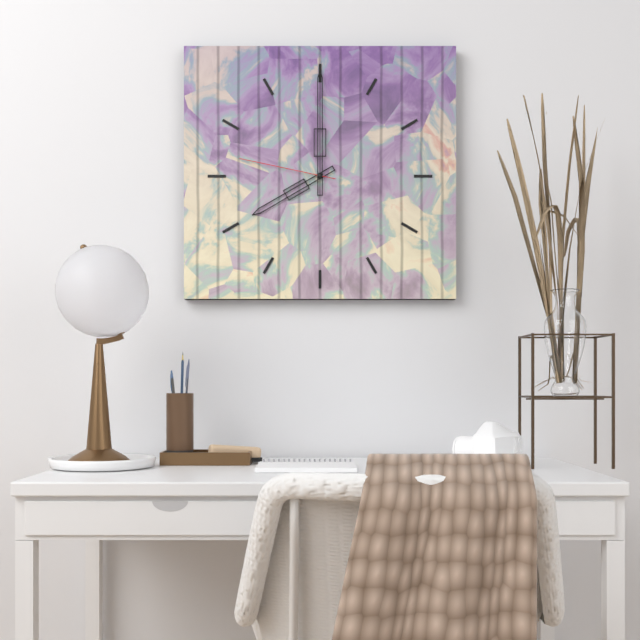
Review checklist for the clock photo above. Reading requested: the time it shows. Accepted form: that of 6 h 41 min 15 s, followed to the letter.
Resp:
8 h 00 min 47 s
